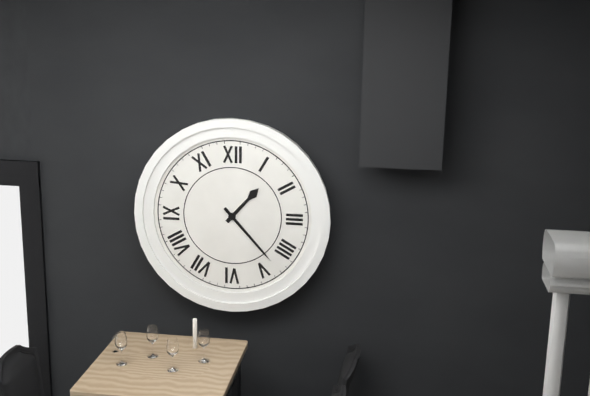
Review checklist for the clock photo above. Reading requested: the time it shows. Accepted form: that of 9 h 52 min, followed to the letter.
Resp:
1 h 23 min
